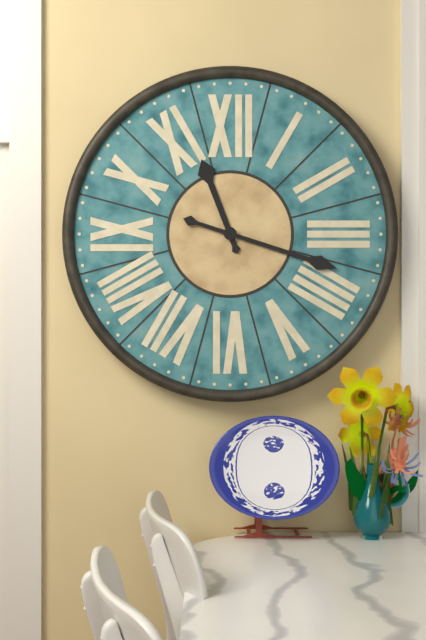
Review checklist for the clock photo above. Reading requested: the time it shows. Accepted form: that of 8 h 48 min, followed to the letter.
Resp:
11 h 18 min
